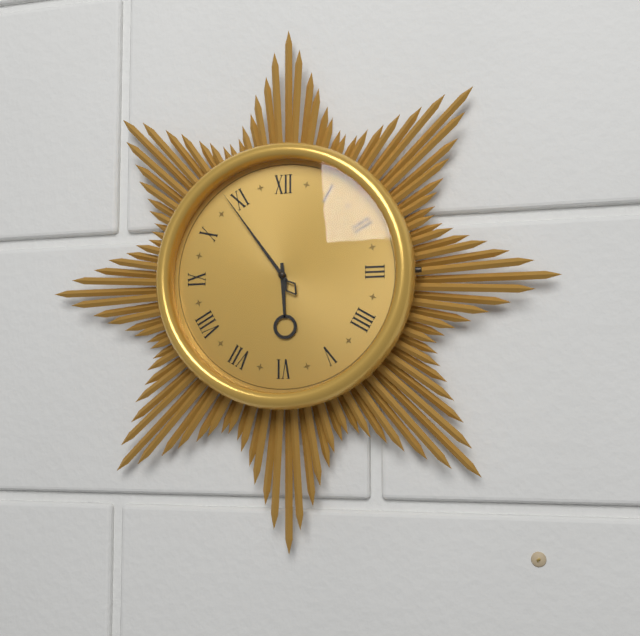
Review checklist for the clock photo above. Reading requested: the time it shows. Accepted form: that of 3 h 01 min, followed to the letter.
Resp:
5 h 54 min
